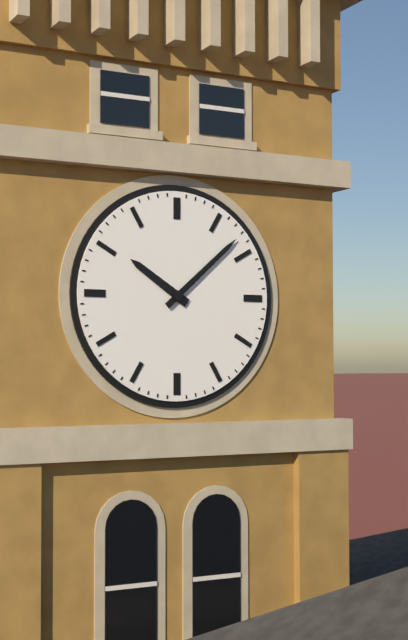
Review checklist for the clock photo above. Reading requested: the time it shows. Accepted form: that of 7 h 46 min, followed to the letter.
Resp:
10 h 08 min
